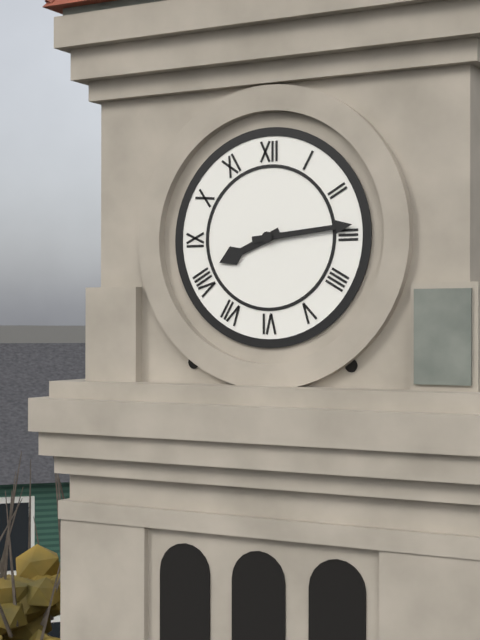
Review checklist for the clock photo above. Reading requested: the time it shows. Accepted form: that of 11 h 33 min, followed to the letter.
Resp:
8 h 14 min
